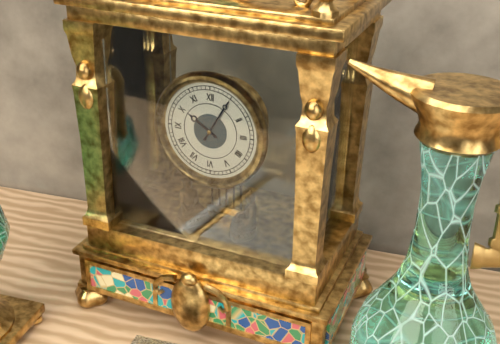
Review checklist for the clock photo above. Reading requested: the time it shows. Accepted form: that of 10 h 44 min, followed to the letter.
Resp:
10 h 05 min
